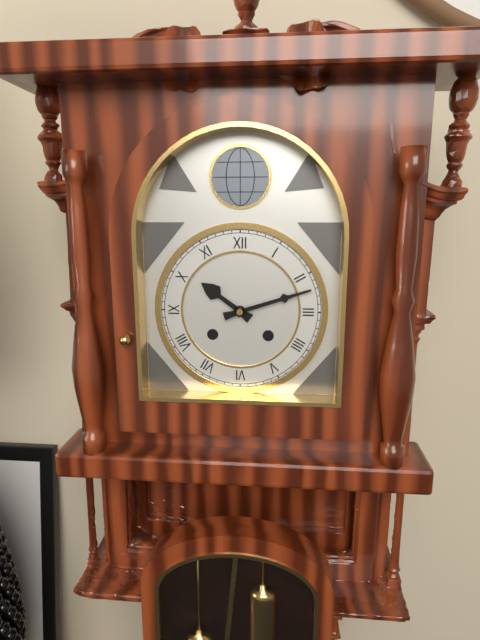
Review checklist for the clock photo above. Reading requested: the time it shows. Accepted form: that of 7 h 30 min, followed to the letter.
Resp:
10 h 12 min
